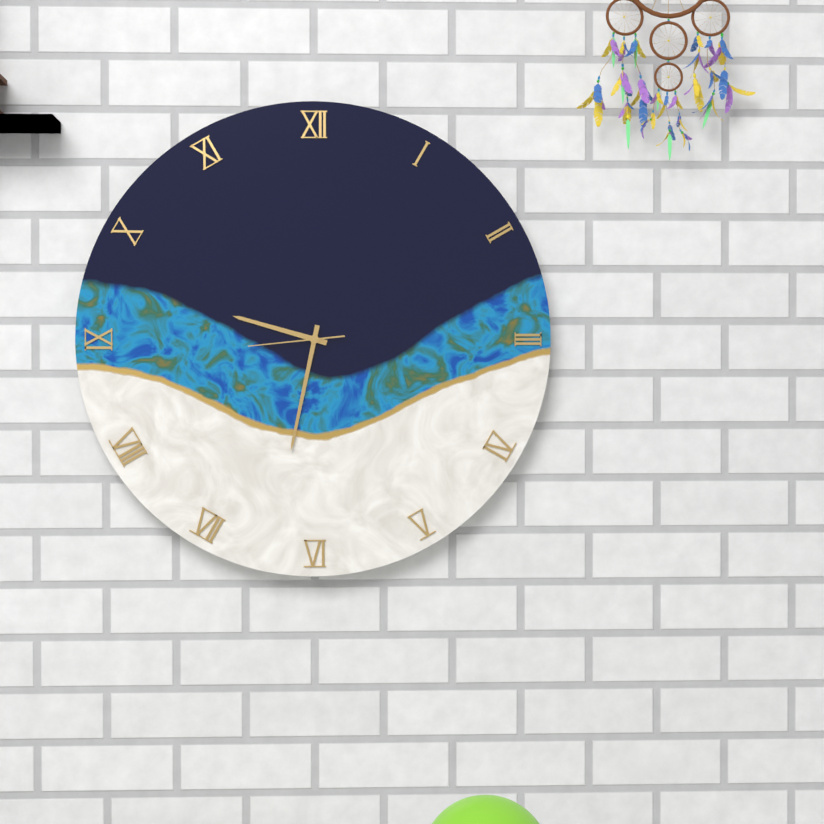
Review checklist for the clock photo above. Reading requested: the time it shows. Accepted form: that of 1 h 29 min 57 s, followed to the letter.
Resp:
9 h 32 min 44 s
